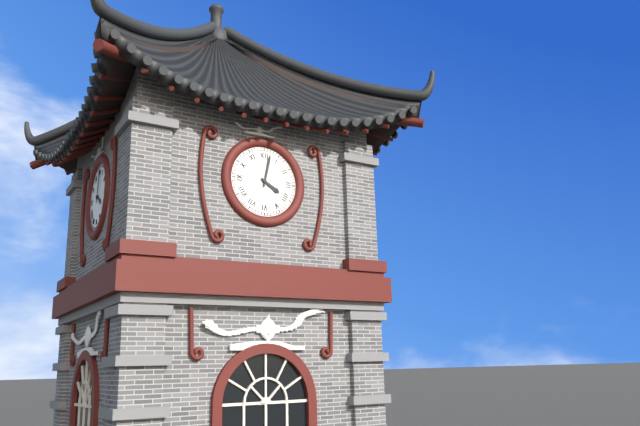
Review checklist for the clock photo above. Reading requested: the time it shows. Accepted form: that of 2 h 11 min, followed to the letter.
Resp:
4 h 02 min
